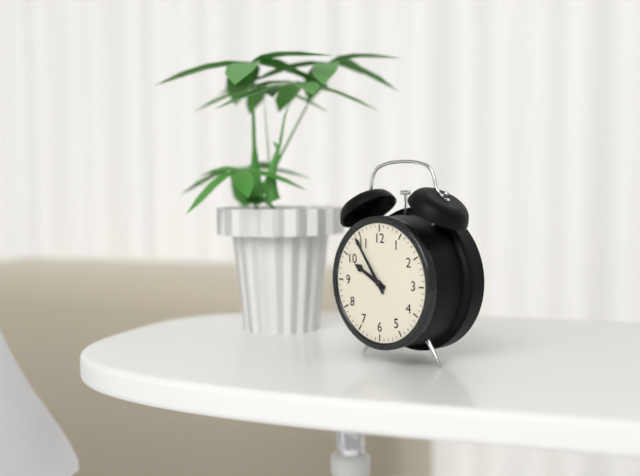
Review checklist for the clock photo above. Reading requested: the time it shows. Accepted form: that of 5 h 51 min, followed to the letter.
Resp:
9 h 54 min
